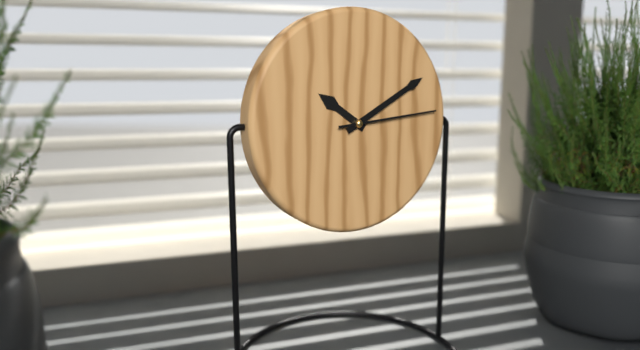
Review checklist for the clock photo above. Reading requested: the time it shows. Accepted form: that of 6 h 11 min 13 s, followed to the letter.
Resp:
10 h 10 min 14 s
